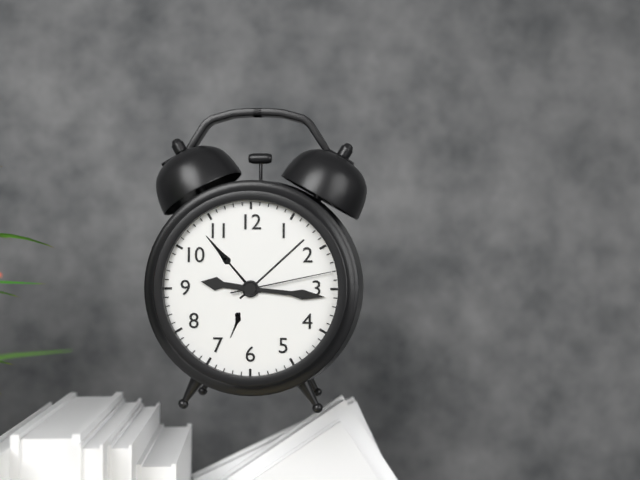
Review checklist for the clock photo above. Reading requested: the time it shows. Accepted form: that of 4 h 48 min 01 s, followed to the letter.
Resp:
9 h 16 min 13 s
